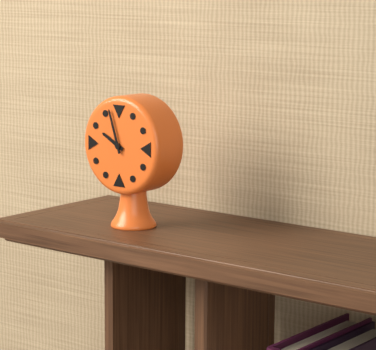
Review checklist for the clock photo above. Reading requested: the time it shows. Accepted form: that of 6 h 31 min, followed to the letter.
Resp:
9 h 57 min
